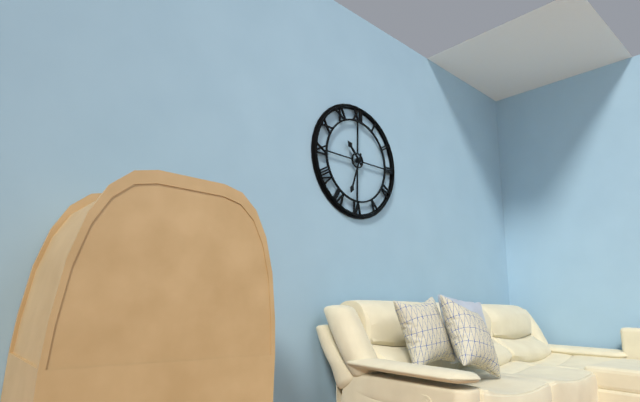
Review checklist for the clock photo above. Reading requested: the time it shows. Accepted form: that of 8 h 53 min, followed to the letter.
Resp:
10 h 33 min
